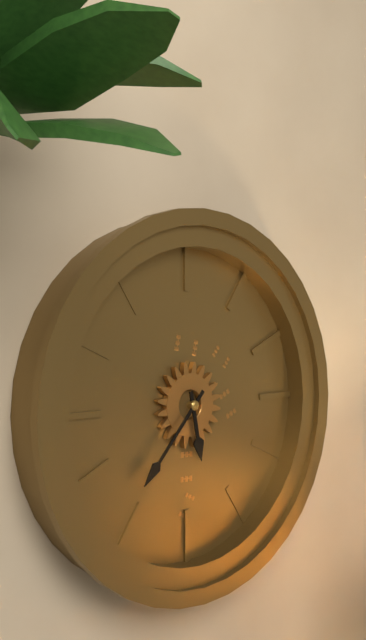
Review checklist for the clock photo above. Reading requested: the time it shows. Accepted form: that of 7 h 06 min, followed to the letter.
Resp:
5 h 37 min
